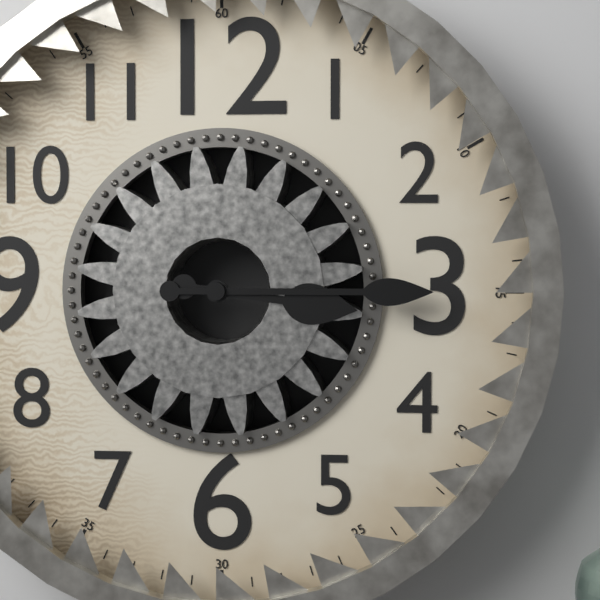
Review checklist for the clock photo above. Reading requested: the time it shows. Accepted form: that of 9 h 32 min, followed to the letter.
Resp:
3 h 15 min
